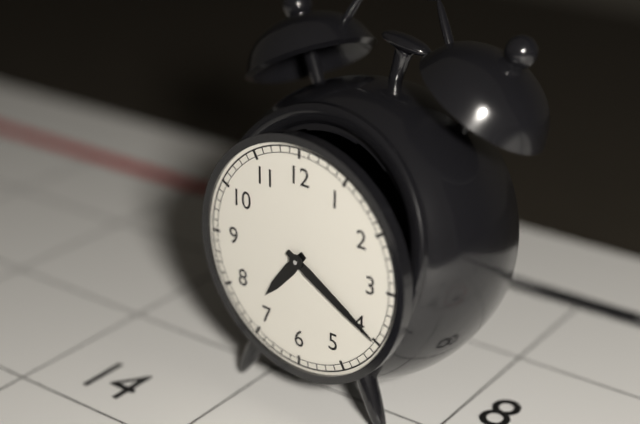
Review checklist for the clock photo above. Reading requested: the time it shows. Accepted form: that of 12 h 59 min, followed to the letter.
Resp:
7 h 20 min
